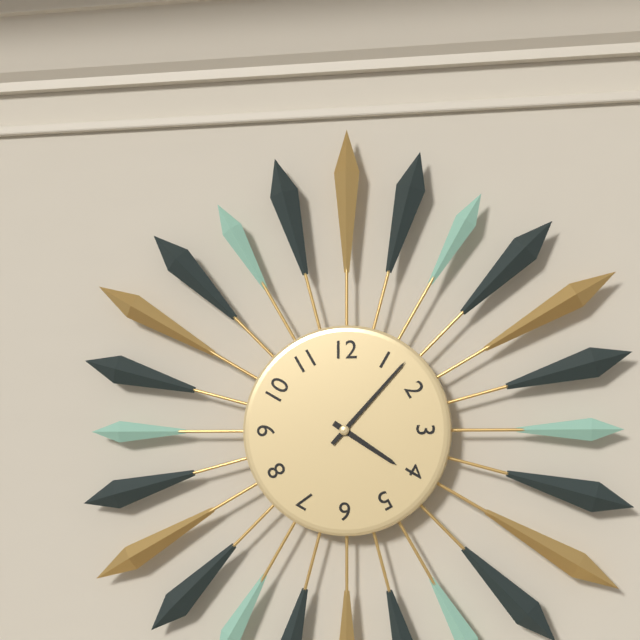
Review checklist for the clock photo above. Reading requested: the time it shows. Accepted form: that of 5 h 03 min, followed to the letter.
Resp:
4 h 07 min
